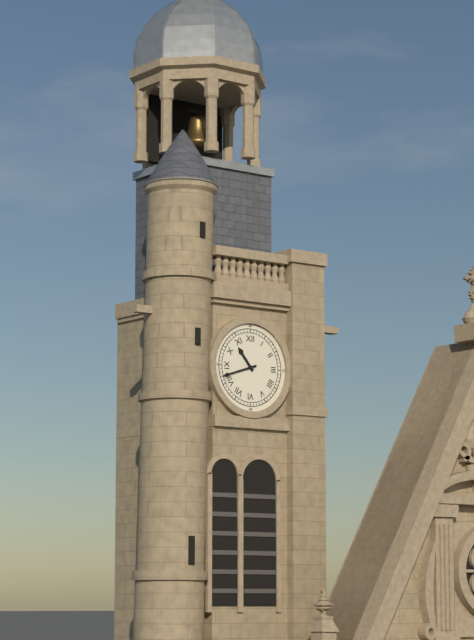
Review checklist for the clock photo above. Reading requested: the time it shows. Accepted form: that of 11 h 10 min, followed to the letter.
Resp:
10 h 42 min
